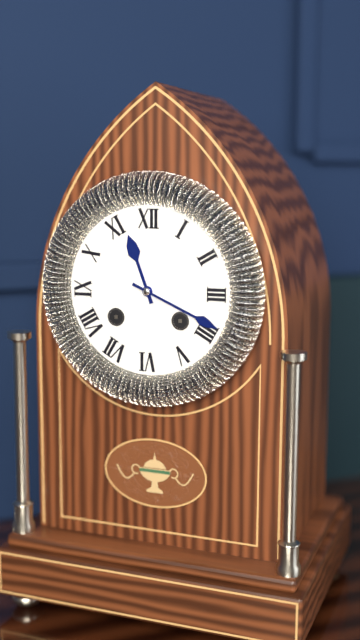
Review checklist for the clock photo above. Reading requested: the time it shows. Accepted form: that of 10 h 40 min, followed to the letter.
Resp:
11 h 19 min
